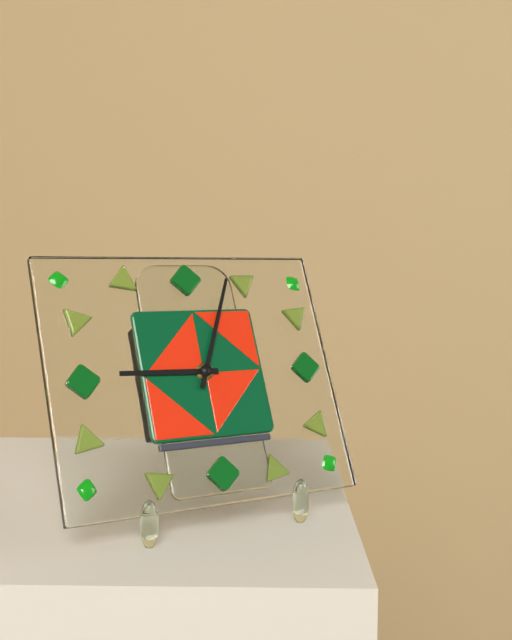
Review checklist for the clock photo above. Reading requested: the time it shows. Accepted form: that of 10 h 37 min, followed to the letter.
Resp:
9 h 04 min
